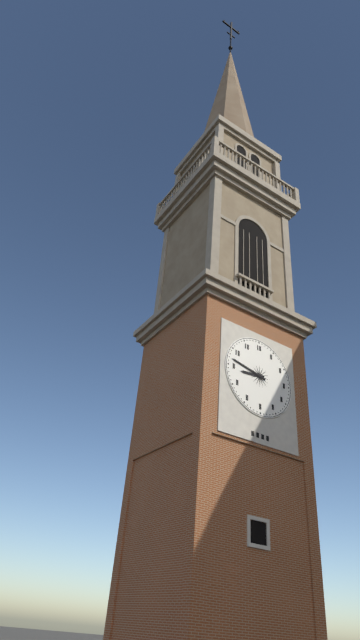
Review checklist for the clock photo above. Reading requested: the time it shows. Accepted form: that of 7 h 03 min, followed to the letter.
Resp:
8 h 47 min
